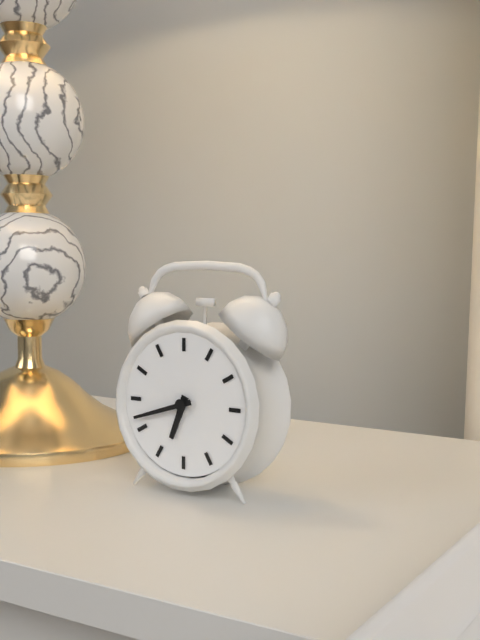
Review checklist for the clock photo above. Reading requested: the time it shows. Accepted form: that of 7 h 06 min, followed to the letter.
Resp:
6 h 42 min
